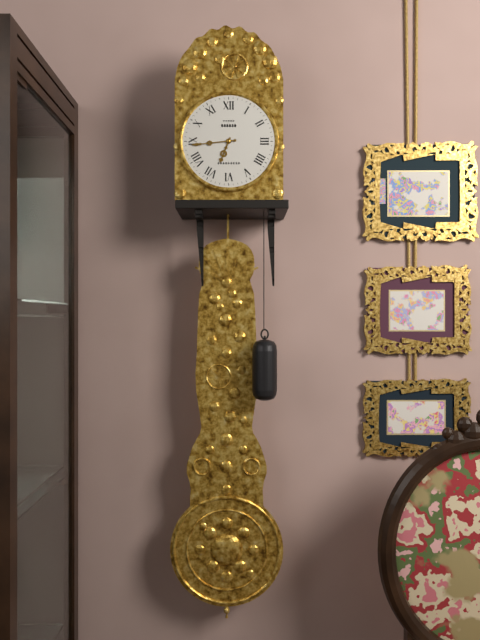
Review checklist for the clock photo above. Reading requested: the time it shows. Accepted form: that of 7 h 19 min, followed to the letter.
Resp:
6 h 44 min
